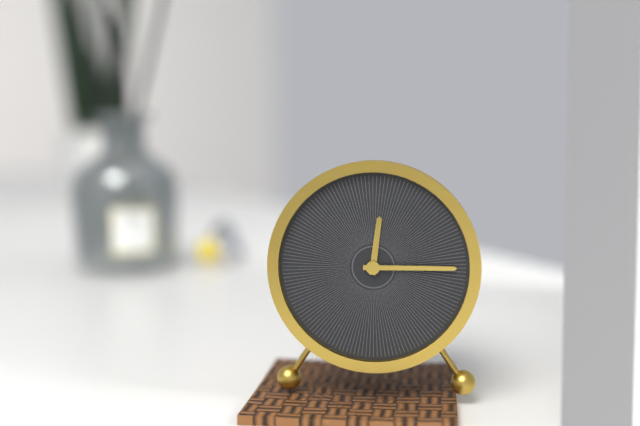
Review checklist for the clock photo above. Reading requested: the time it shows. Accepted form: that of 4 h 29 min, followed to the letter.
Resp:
12 h 15 min
